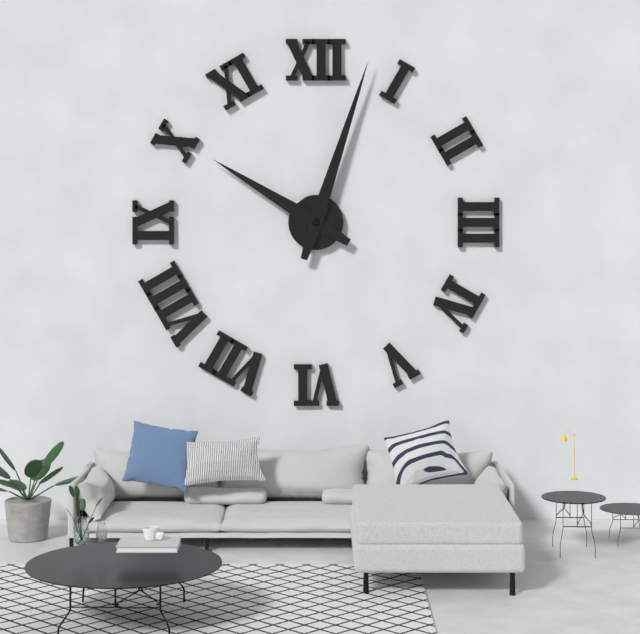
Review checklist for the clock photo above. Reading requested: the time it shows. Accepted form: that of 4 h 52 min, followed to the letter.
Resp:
10 h 03 min
